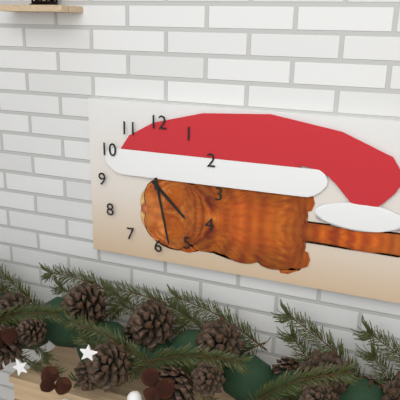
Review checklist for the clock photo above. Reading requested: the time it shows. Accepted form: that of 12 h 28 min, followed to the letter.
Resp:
4 h 28 min
